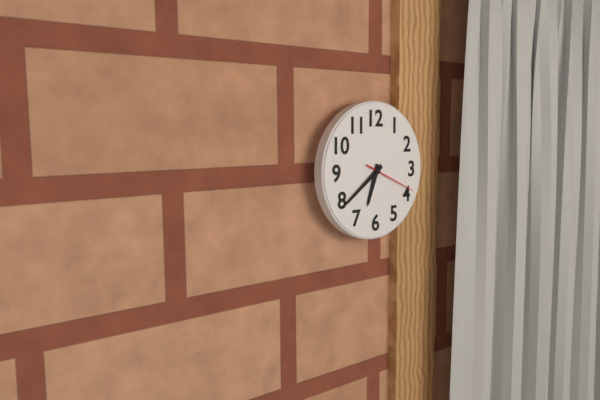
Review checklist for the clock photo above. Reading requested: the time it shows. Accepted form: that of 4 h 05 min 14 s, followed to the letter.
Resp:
6 h 39 min 19 s
